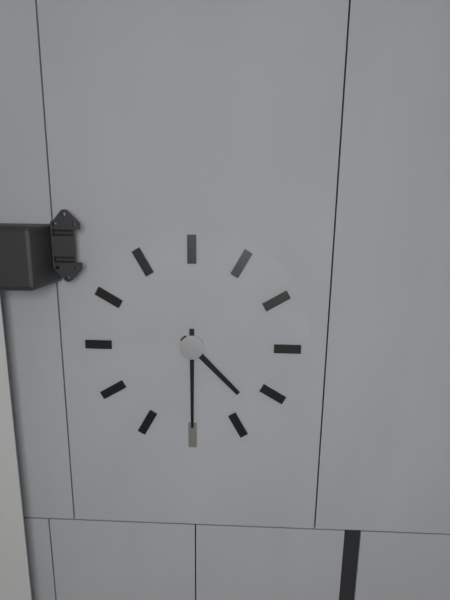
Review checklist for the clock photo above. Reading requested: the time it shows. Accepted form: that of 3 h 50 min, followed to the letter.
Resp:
4 h 30 min
